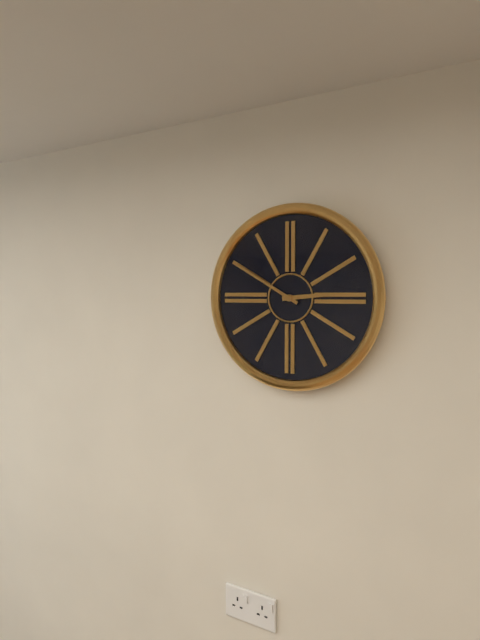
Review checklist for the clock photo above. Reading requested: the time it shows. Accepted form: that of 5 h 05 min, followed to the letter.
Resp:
2 h 50 min
